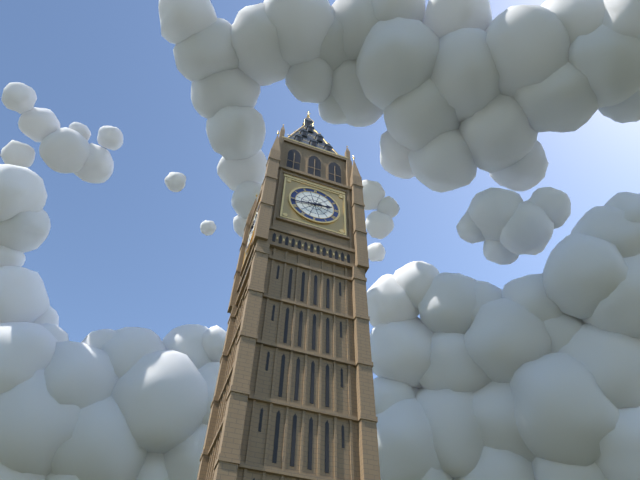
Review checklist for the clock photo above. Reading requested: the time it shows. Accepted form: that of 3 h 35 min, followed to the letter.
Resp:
2 h 43 min
